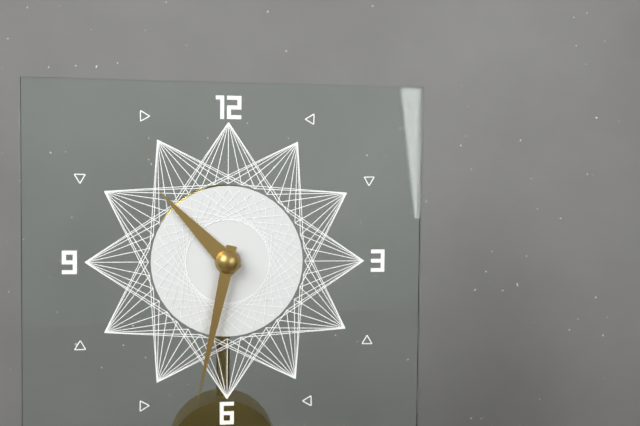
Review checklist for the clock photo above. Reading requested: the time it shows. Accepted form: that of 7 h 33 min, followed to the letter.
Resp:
10 h 32 min
